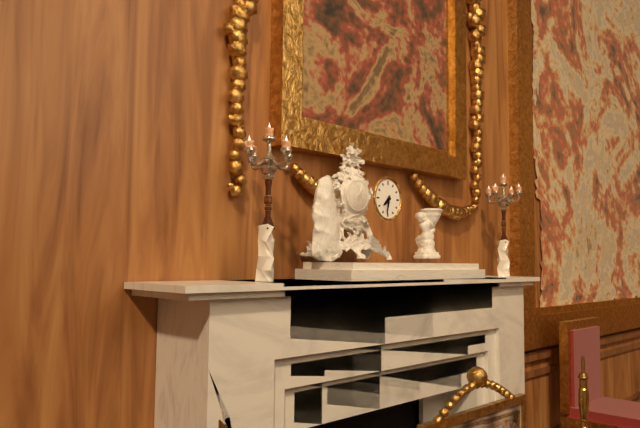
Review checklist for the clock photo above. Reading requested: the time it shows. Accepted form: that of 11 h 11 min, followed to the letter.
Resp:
7 h 32 min
